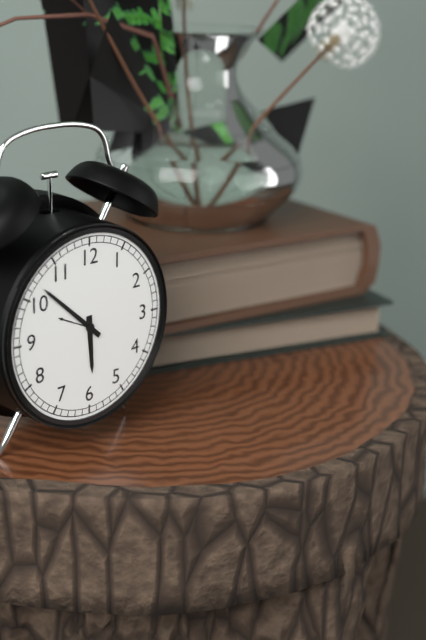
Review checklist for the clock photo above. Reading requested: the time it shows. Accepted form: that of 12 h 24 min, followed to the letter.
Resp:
5 h 52 min
